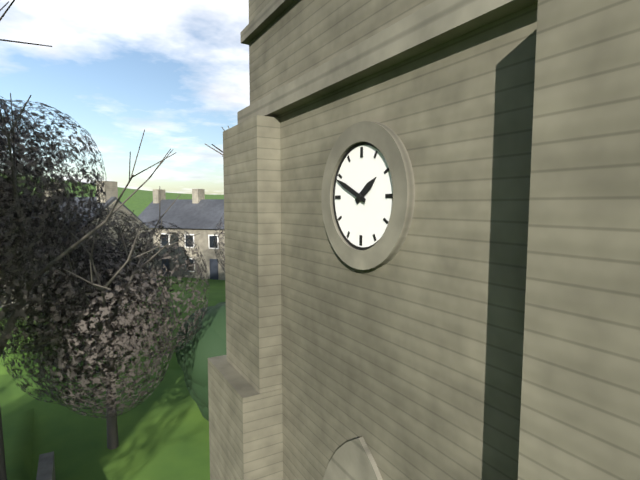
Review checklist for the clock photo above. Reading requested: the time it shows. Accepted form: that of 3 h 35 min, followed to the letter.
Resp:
1 h 49 min
